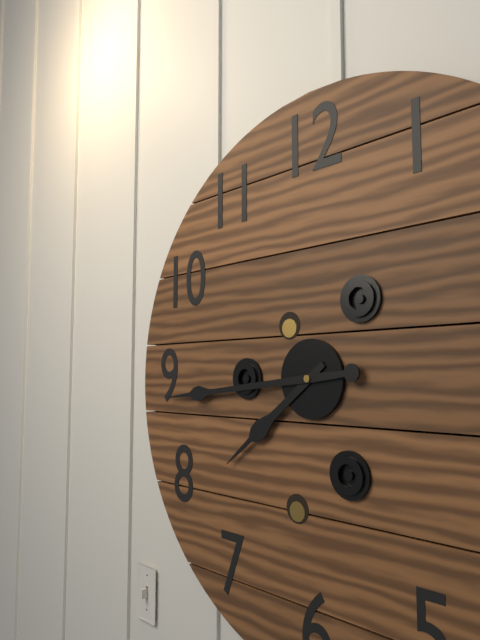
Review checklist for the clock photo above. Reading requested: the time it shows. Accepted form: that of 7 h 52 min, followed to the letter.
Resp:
7 h 44 min
